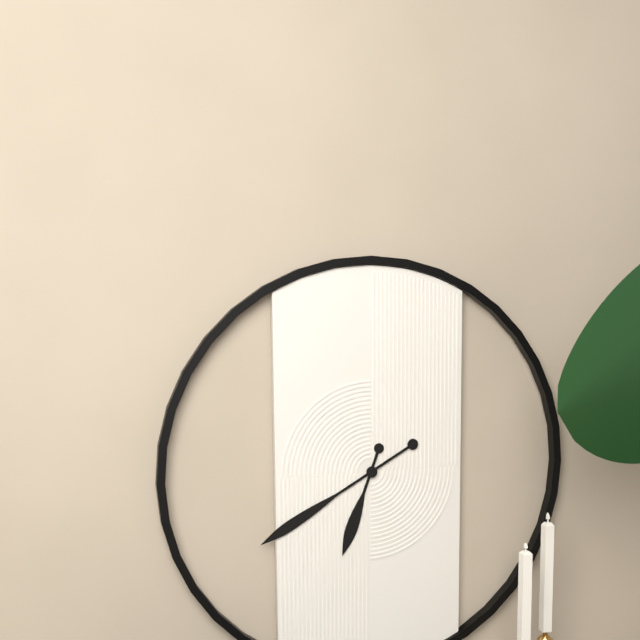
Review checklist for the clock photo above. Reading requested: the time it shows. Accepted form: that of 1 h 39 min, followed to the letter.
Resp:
6 h 40 min
